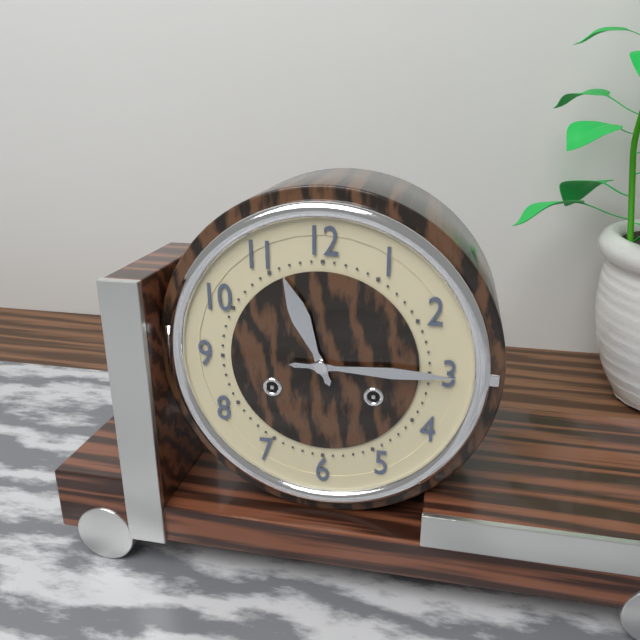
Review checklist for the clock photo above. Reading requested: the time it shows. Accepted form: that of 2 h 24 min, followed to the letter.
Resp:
11 h 15 min
